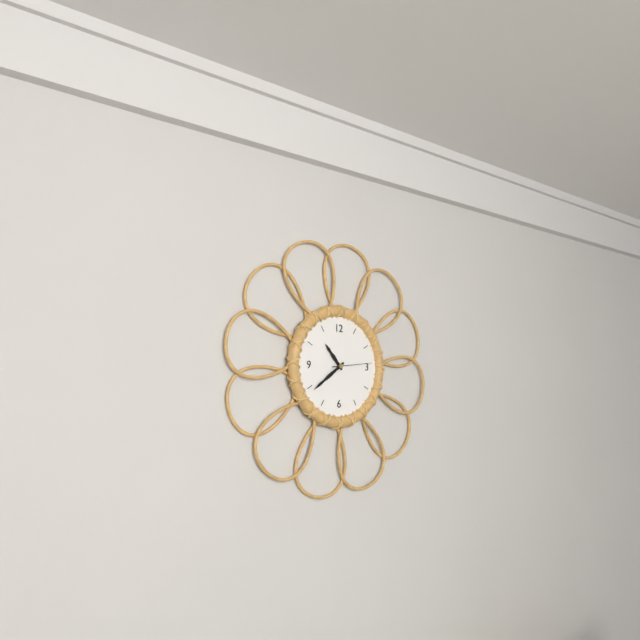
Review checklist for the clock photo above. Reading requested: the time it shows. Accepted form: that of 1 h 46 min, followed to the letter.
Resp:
10 h 39 min
